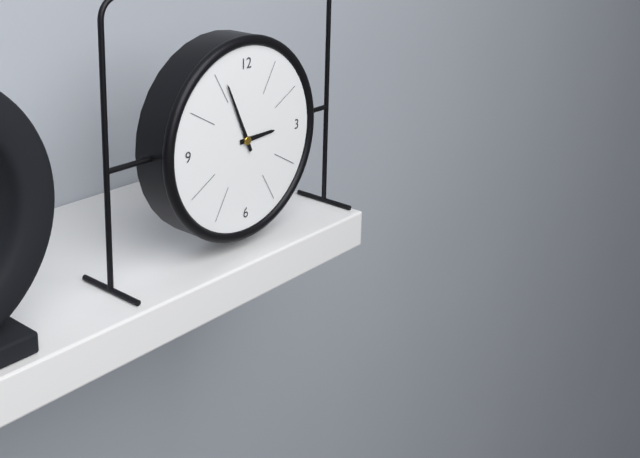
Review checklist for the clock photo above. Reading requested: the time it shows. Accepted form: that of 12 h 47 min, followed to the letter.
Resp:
2 h 56 min
